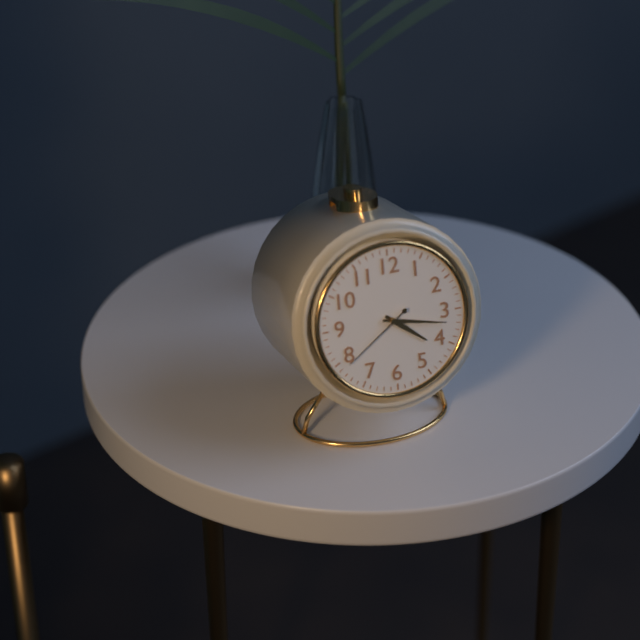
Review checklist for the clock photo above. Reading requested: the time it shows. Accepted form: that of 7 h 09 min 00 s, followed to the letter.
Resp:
4 h 17 min 39 s
